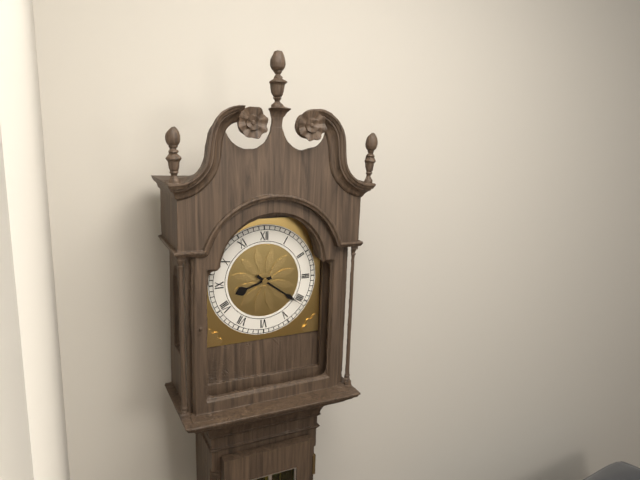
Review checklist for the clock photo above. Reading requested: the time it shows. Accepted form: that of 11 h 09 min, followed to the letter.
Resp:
8 h 21 min
